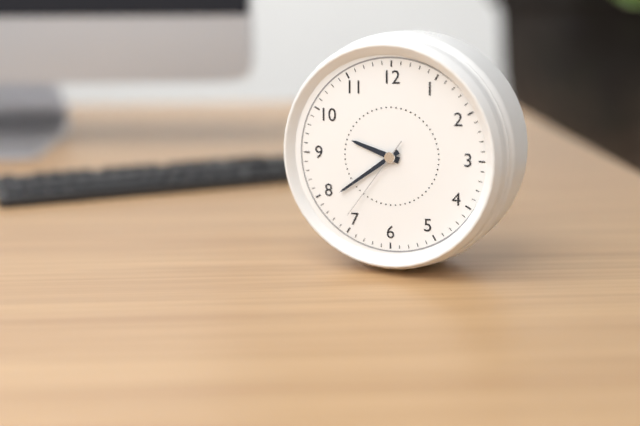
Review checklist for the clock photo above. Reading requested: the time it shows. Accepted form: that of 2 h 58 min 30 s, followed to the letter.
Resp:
9 h 39 min 36 s
